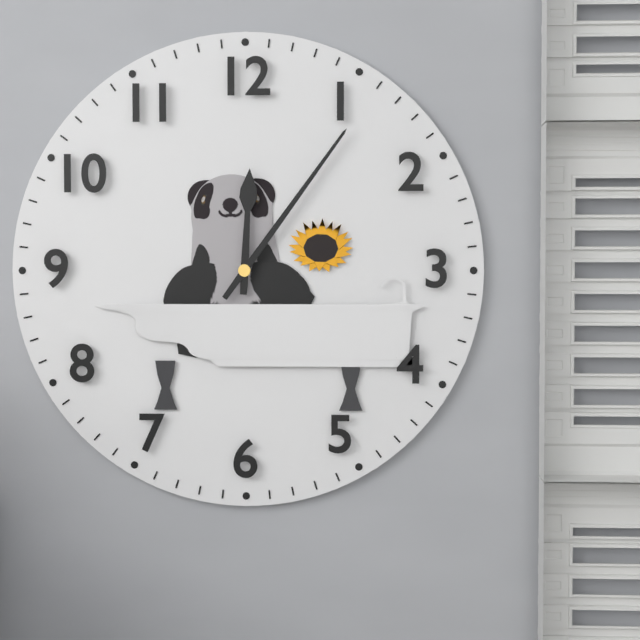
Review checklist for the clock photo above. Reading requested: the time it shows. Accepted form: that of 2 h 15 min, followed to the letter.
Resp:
12 h 06 min
